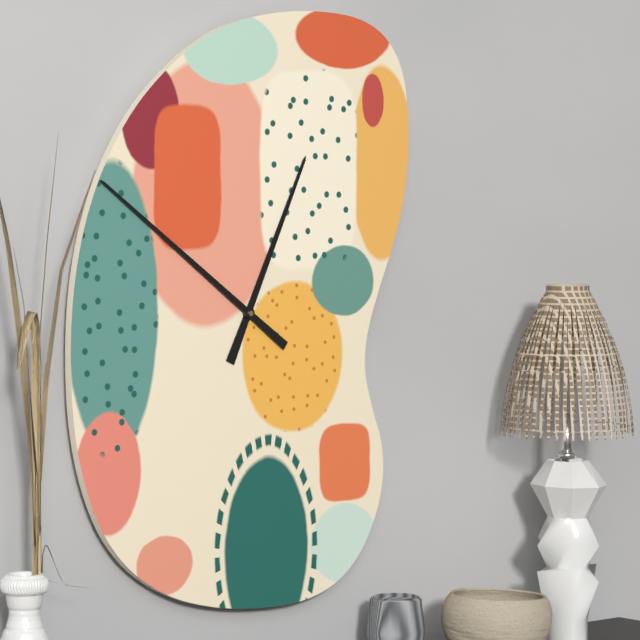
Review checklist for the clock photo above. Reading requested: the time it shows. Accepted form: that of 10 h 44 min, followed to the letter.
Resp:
12 h 51 min
